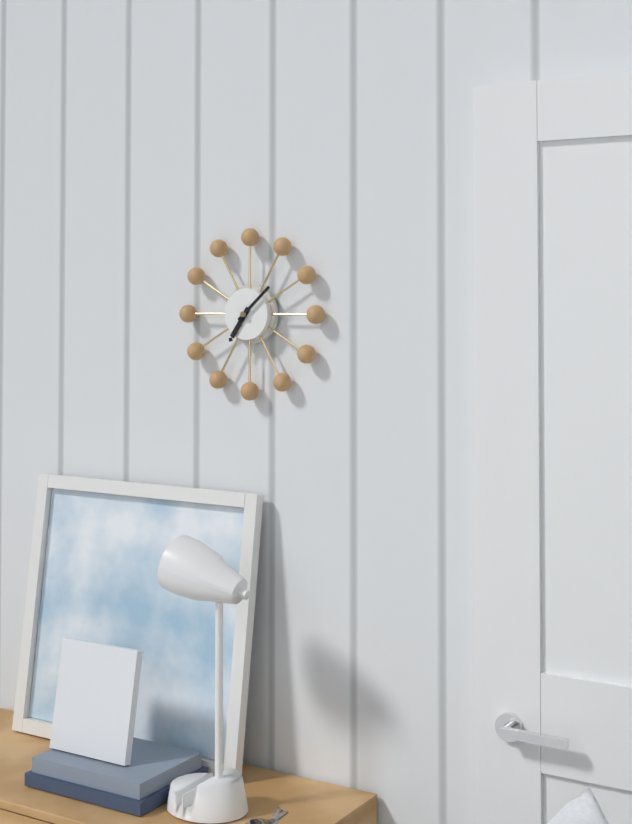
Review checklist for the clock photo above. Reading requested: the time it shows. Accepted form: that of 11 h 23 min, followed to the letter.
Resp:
7 h 08 min
